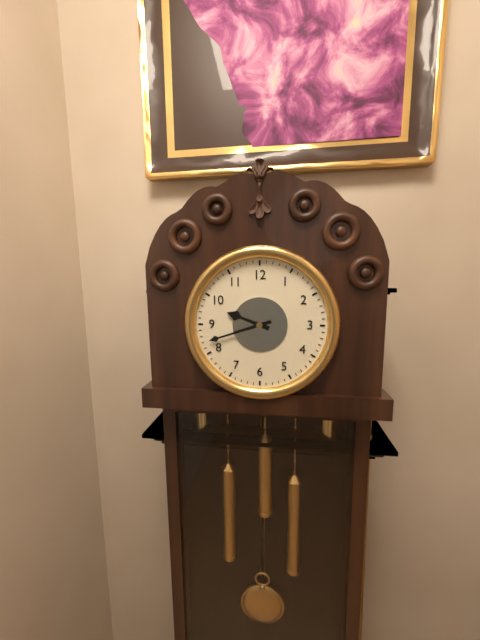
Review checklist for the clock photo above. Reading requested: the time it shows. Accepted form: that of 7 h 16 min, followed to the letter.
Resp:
9 h 42 min
